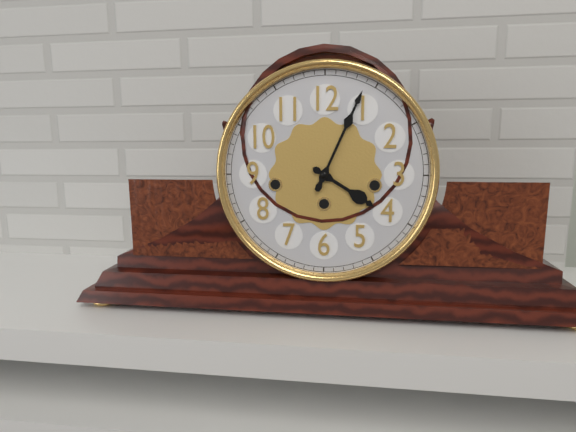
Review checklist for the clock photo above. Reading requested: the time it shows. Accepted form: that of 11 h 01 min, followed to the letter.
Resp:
4 h 04 min
